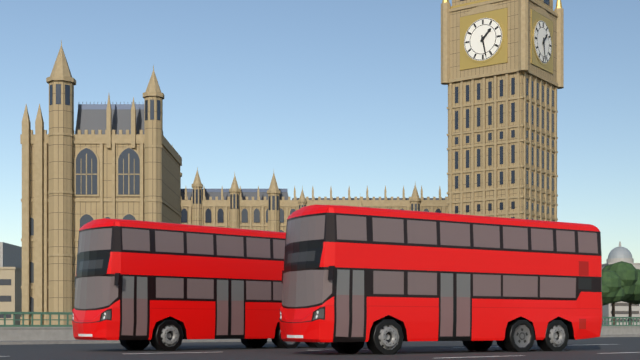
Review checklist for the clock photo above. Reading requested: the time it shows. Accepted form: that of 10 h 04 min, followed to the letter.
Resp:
1 h 28 min
